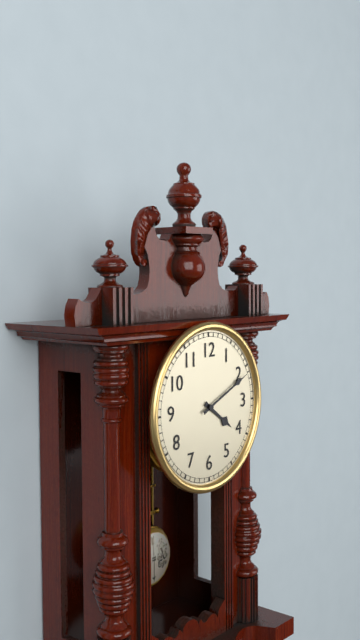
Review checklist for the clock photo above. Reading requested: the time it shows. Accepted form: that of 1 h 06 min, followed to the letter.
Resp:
4 h 11 min
